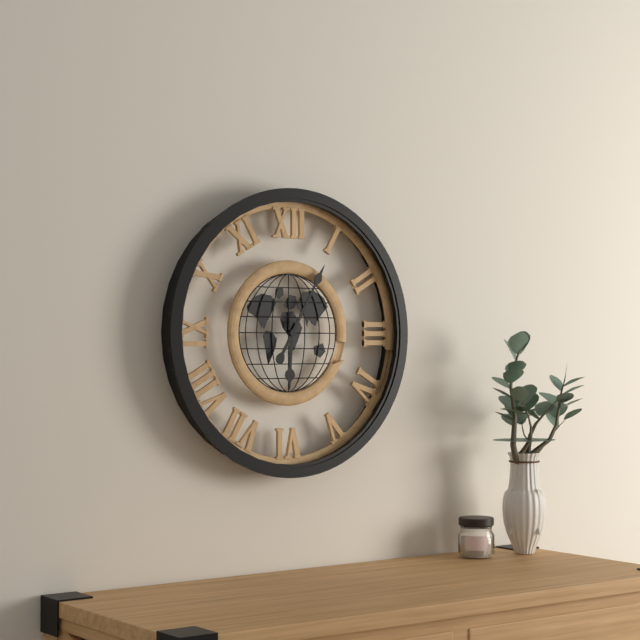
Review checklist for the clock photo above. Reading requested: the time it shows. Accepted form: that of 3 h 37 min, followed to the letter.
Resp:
6 h 05 min
